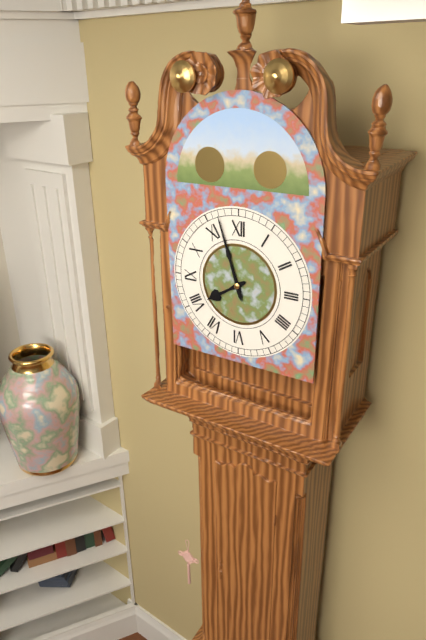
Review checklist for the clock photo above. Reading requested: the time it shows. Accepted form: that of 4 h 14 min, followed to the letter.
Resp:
7 h 57 min
